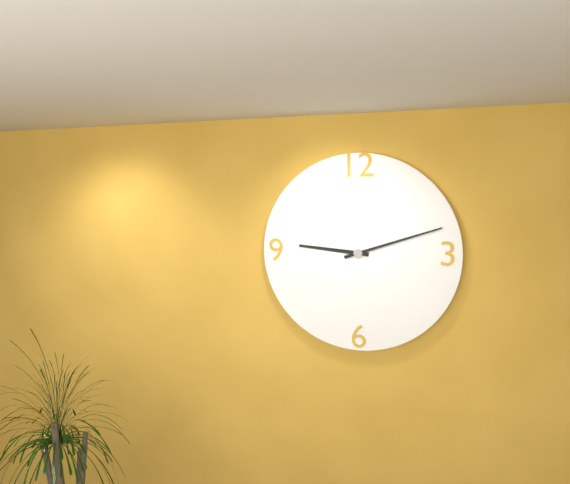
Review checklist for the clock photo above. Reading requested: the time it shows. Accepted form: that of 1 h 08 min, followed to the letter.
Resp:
9 h 12 min
